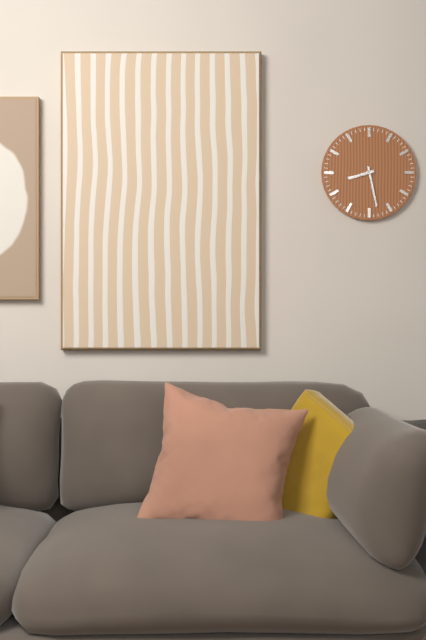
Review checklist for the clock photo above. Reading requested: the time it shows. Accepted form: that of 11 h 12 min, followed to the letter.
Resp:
8 h 28 min
